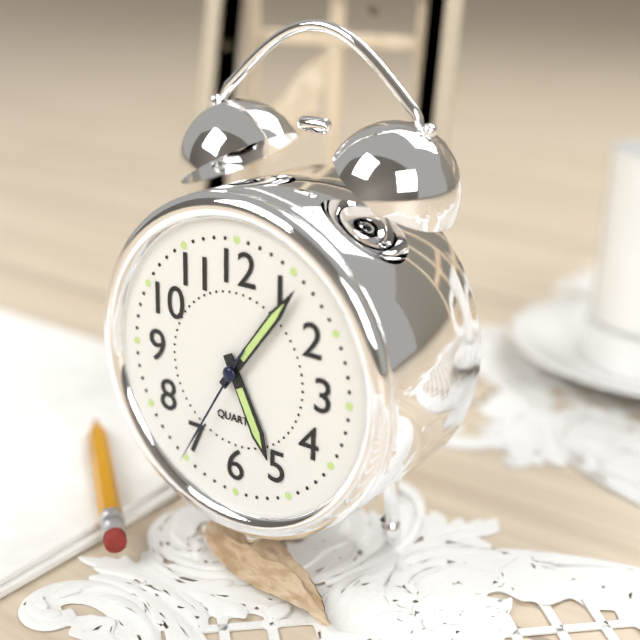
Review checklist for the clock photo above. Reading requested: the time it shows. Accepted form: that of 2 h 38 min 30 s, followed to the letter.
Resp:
5 h 06 min 35 s
